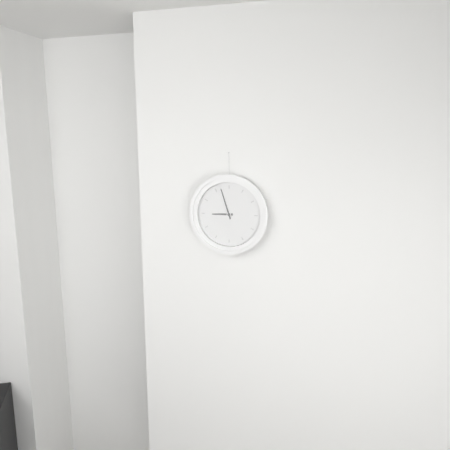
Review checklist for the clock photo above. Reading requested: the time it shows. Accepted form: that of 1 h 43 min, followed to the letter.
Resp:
8 h 57 min
